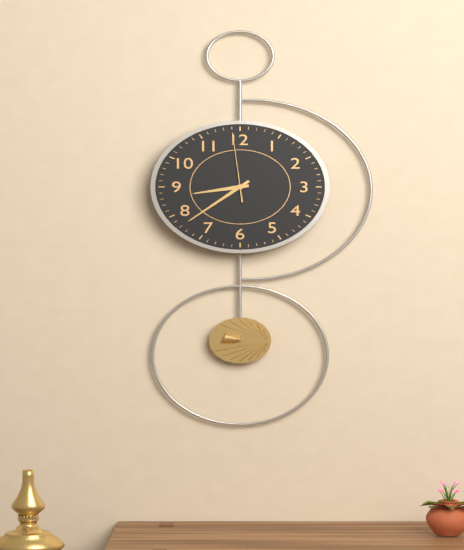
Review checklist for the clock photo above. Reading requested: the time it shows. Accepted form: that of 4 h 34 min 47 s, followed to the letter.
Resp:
8 h 38 min 59 s
